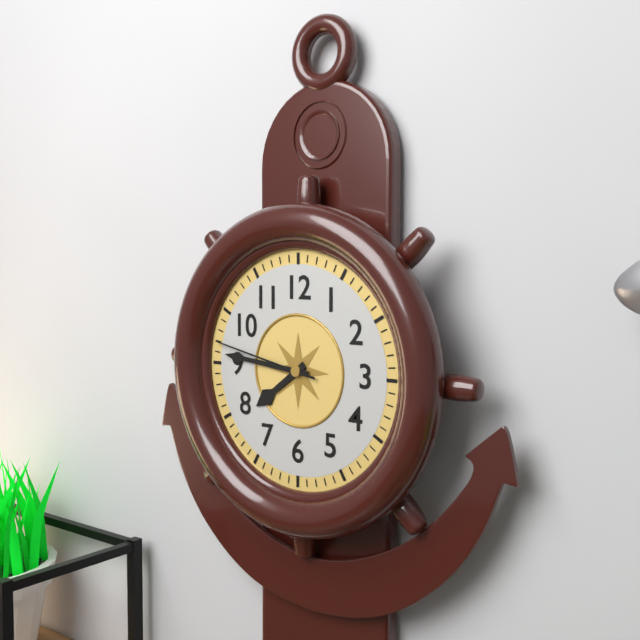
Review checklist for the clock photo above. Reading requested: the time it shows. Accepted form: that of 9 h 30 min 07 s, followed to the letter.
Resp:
7 h 46 min 47 s
